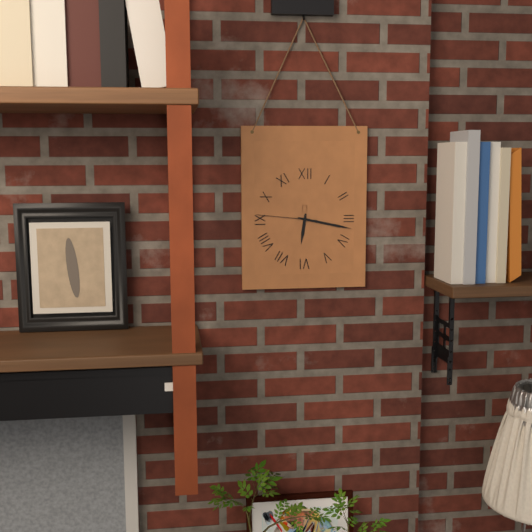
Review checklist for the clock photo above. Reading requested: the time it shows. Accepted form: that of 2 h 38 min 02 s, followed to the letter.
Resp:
6 h 17 min 46 s
